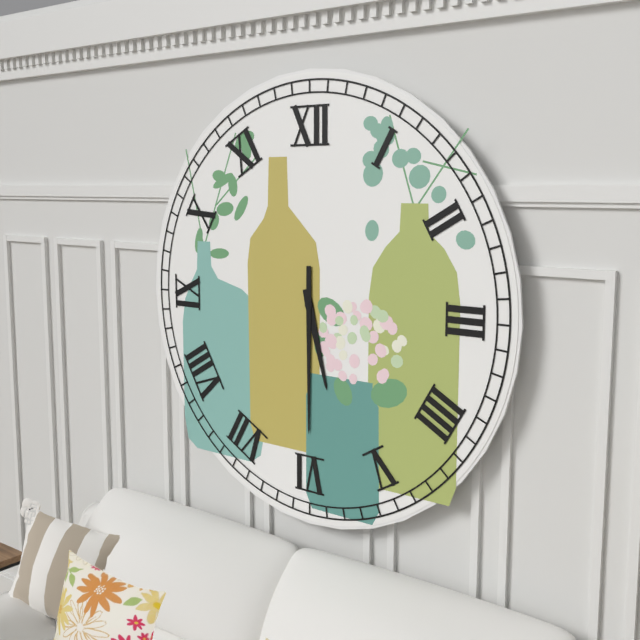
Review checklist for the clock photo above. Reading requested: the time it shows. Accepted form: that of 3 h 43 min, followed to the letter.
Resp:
5 h 30 min
